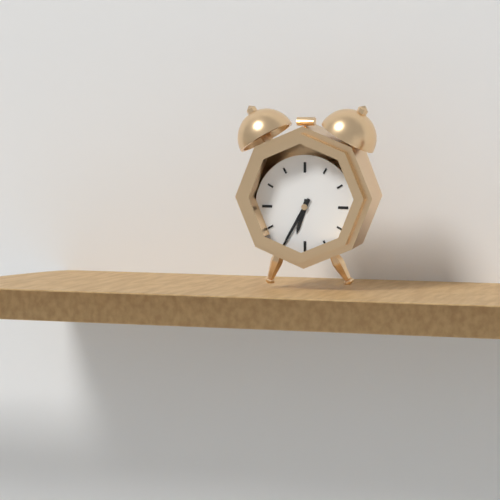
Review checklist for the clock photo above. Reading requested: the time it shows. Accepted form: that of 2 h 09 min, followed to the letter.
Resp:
6 h 35 min
